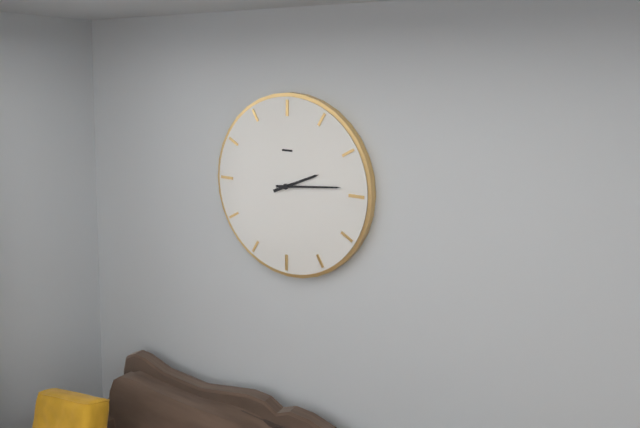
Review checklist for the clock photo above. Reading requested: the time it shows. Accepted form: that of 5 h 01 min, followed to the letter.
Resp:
2 h 14 min
